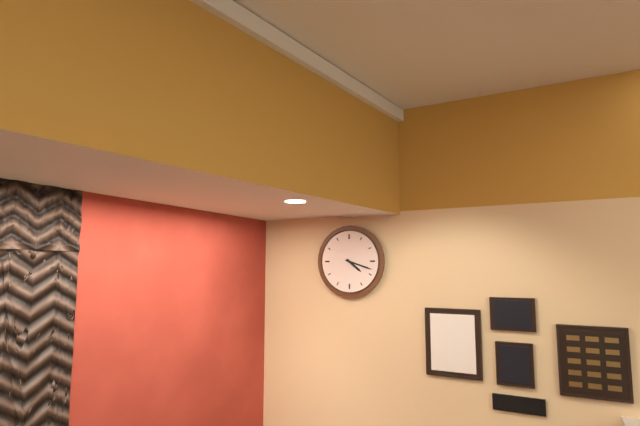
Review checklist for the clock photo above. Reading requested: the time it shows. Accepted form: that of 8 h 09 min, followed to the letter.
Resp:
4 h 18 min
